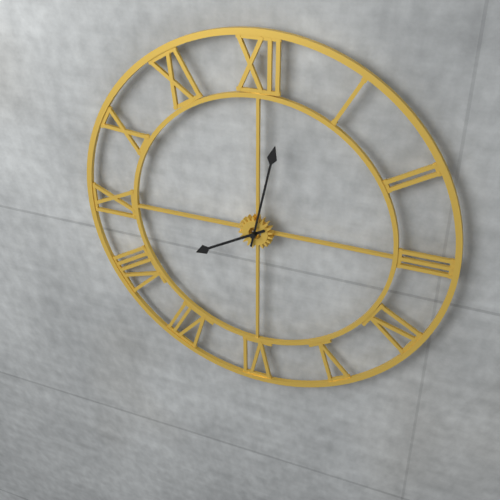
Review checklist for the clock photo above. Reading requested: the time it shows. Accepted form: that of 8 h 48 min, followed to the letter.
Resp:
8 h 02 min
